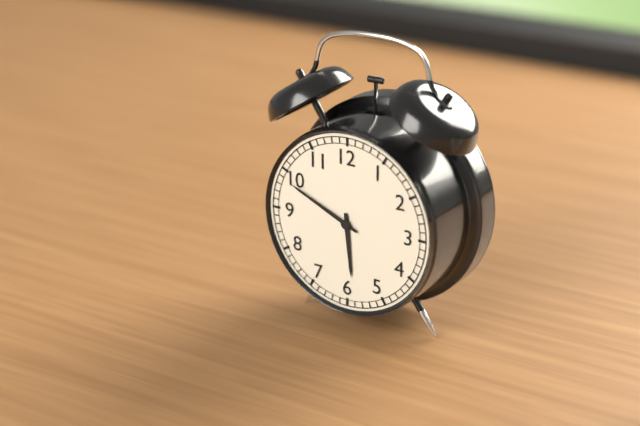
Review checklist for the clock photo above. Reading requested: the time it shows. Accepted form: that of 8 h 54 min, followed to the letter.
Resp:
5 h 49 min
